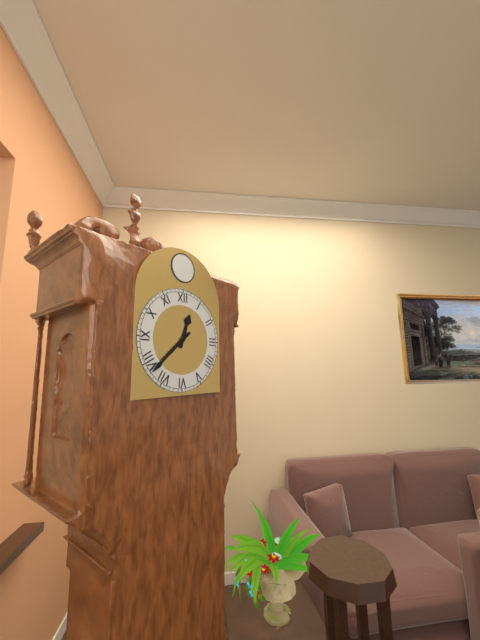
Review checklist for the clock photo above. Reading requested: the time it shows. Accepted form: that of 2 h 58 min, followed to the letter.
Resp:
12 h 38 min
